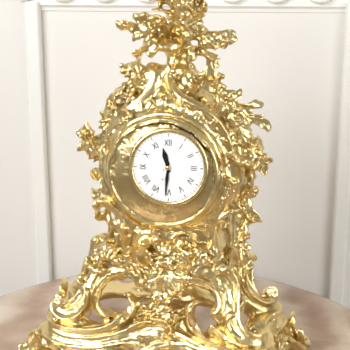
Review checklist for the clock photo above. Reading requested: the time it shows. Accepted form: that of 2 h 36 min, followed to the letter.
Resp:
11 h 31 min
